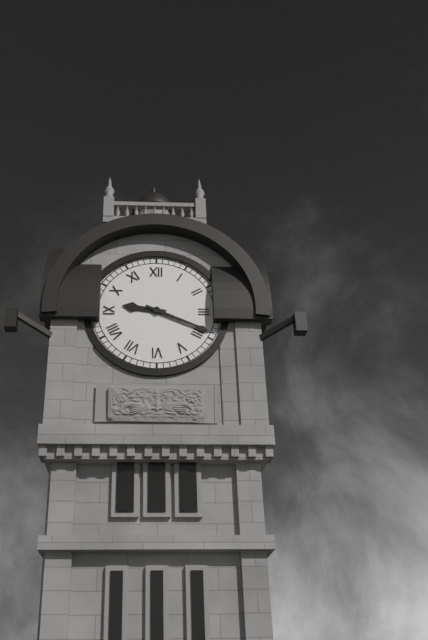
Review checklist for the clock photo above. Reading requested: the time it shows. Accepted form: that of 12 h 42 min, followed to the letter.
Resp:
9 h 19 min
